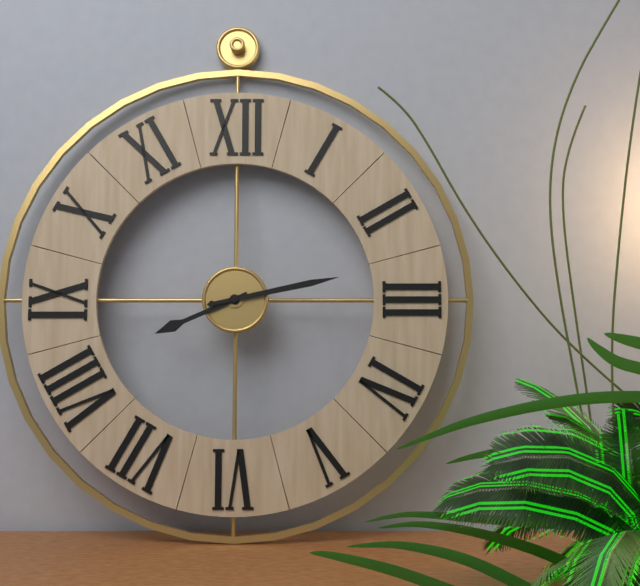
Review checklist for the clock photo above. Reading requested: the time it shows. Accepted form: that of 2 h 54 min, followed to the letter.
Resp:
8 h 13 min
